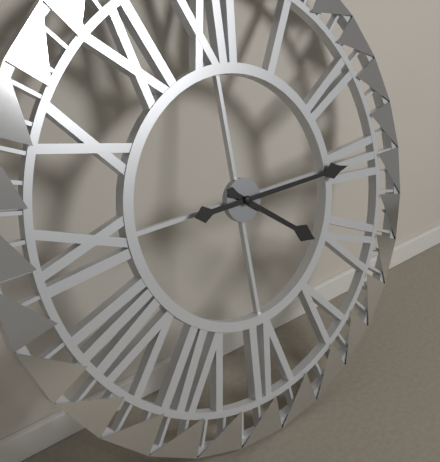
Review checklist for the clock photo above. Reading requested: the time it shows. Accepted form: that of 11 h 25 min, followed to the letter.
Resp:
4 h 15 min
